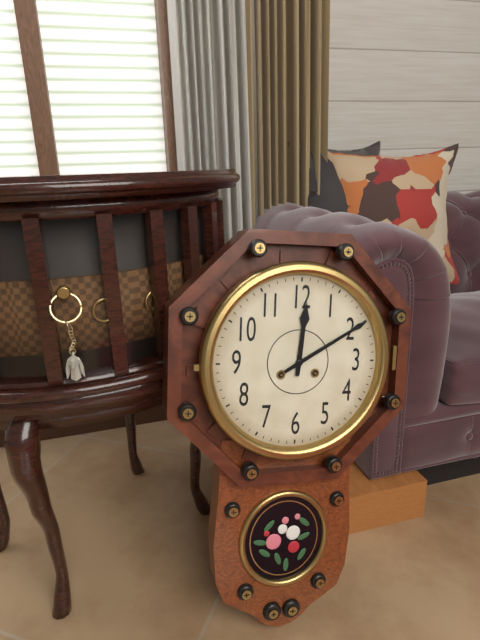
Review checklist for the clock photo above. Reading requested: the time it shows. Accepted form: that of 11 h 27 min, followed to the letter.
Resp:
12 h 10 min
